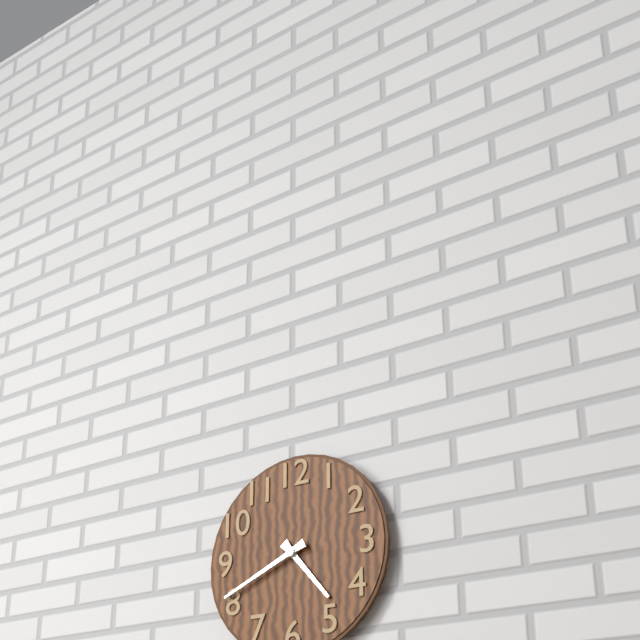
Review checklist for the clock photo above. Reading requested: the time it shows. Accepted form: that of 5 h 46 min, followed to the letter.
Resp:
4 h 41 min
